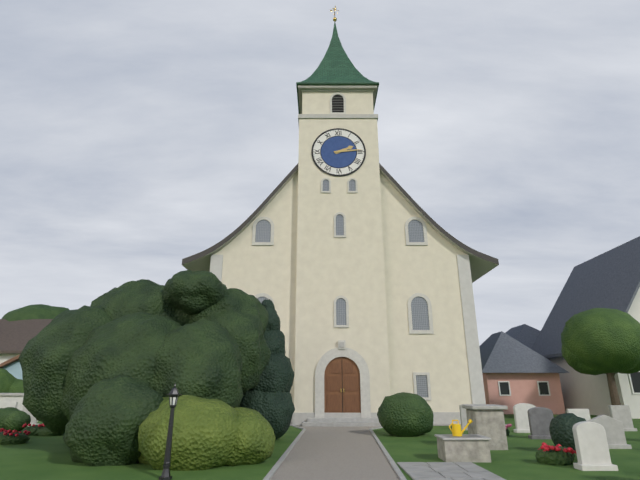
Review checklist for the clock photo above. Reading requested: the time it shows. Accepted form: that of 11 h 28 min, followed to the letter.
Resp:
2 h 14 min
